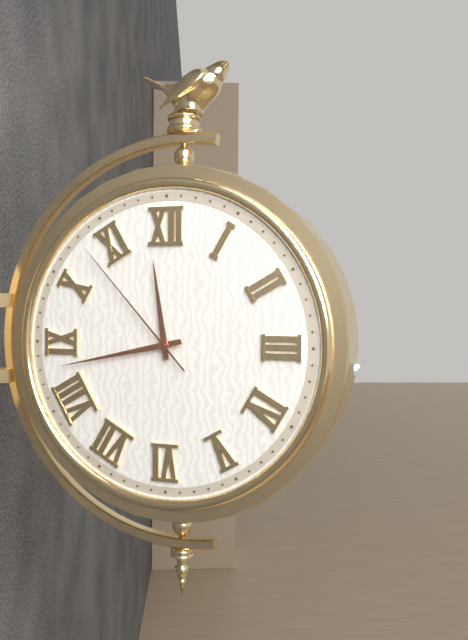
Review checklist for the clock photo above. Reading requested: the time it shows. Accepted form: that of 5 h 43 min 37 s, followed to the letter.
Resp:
11 h 43 min 53 s
